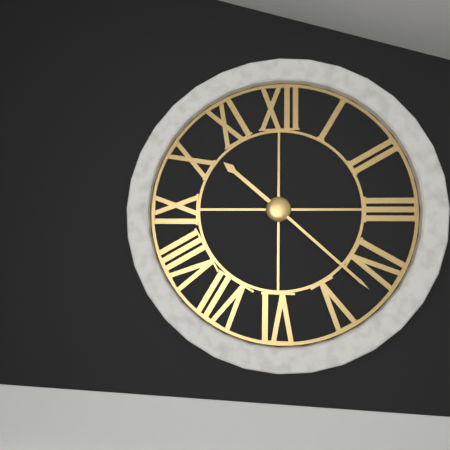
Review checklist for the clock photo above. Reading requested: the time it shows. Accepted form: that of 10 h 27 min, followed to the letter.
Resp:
10 h 22 min
